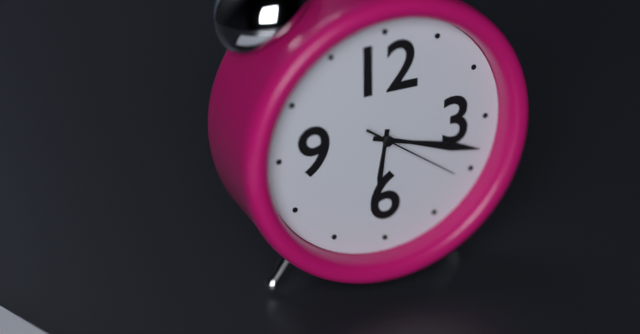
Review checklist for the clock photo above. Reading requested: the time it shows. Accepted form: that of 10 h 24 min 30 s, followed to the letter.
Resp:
6 h 18 min 21 s
